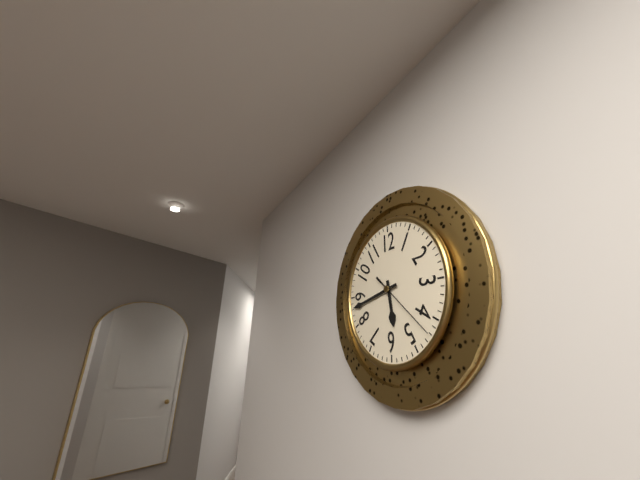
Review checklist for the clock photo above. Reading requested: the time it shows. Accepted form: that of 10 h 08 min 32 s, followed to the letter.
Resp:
5 h 43 min 22 s
